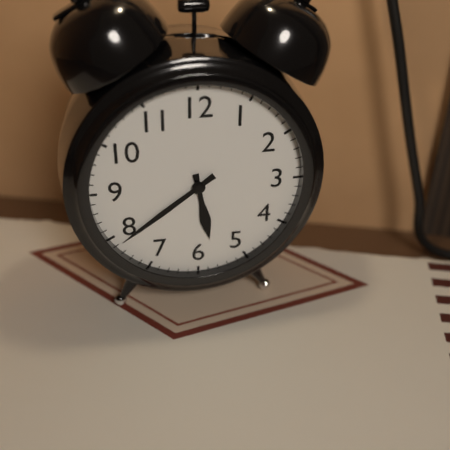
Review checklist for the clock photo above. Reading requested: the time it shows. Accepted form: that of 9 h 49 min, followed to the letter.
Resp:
5 h 39 min
